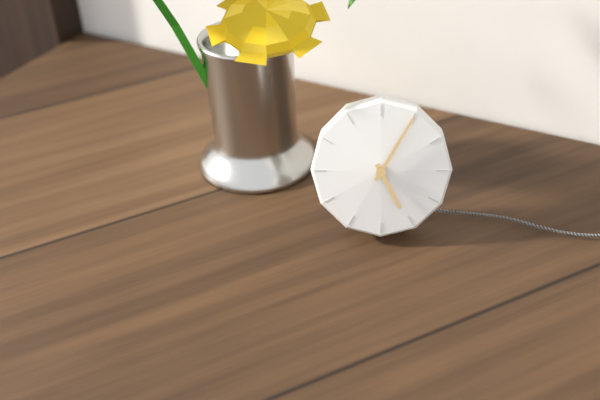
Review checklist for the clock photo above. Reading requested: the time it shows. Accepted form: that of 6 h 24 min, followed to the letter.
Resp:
5 h 05 min
